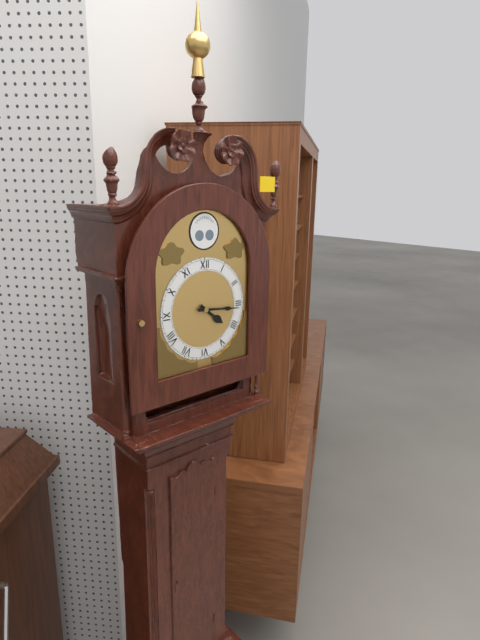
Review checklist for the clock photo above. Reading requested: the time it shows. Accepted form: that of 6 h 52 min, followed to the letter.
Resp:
4 h 16 min
